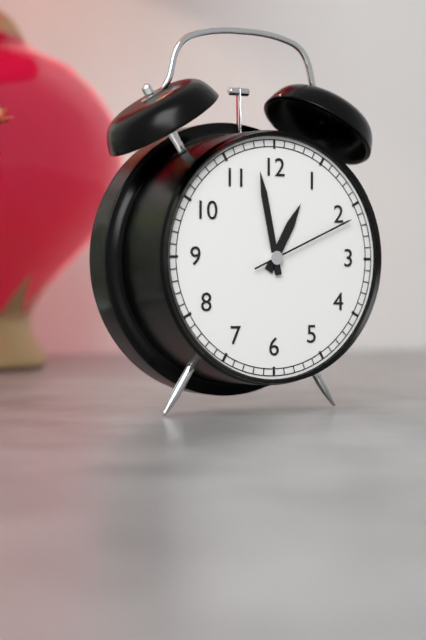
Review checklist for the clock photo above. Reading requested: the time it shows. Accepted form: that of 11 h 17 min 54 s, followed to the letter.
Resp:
12 h 58 min 11 s
